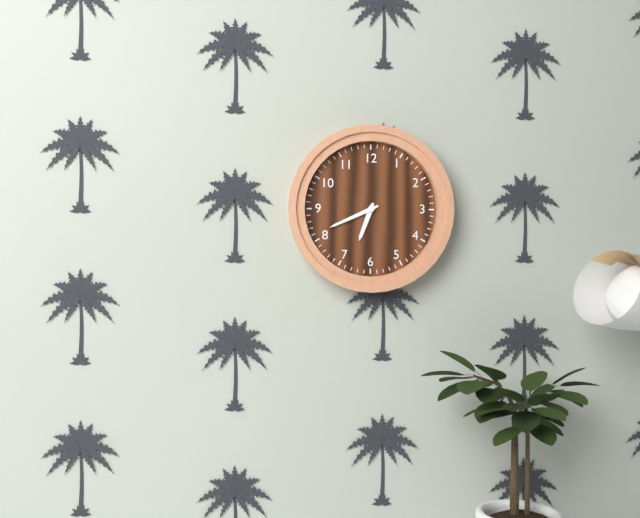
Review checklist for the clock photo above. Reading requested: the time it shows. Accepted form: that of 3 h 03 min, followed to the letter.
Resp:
6 h 41 min
